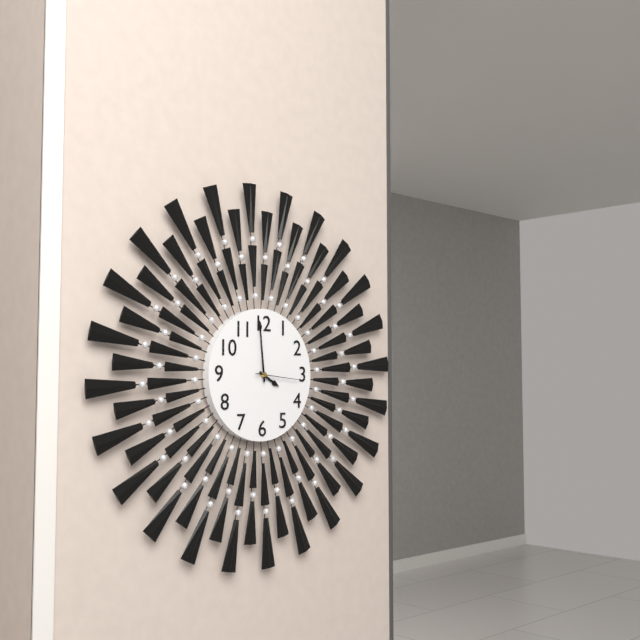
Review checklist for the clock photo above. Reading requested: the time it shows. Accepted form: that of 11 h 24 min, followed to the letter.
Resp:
3 h 59 min
